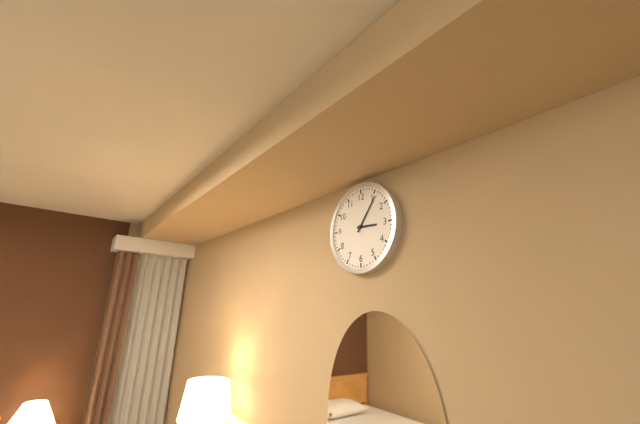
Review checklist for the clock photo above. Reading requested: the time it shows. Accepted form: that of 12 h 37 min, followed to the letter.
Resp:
3 h 06 min
